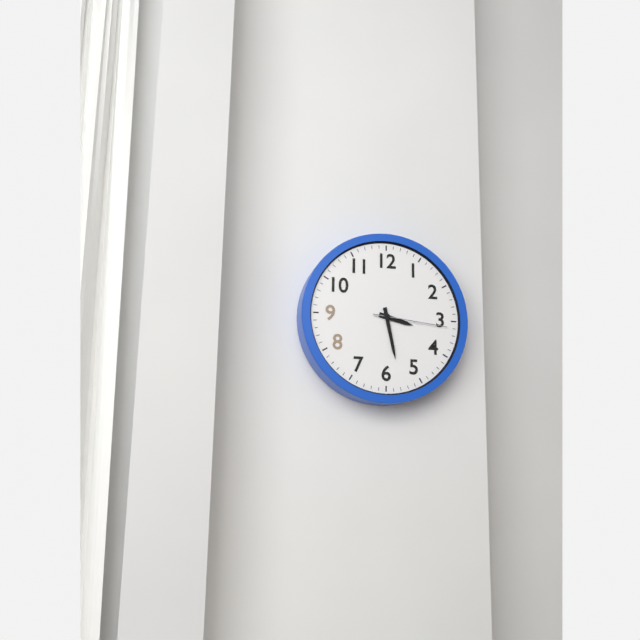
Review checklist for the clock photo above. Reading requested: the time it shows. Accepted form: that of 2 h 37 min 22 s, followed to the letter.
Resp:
3 h 28 min 16 s
